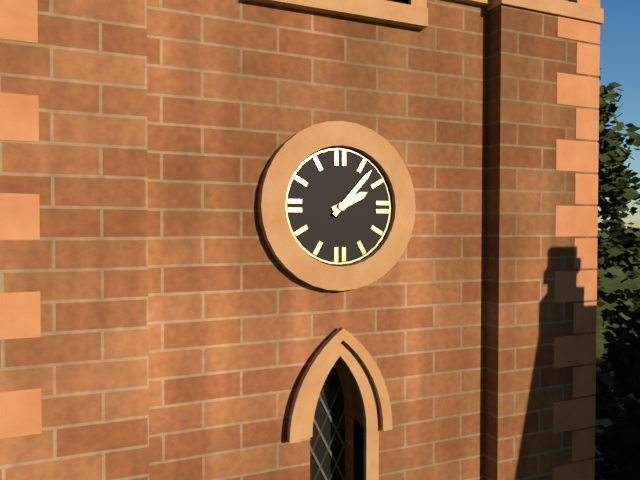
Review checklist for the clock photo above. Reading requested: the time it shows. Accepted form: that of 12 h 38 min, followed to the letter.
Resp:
2 h 07 min
